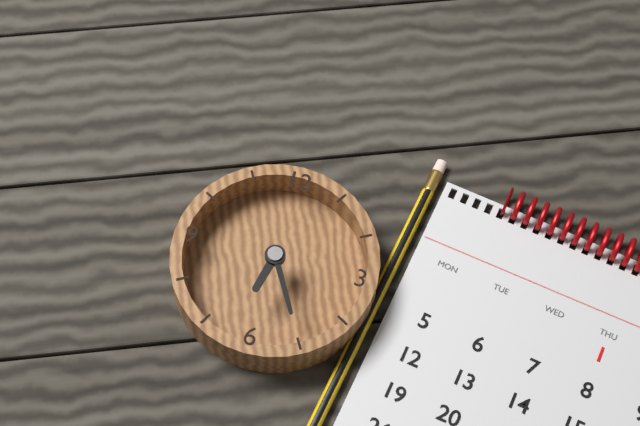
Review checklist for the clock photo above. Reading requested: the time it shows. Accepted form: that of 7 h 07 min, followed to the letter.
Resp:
6 h 25 min
